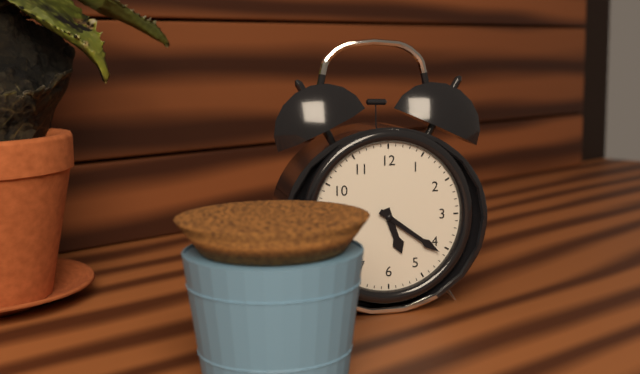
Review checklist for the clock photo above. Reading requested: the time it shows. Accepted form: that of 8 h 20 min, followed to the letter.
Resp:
5 h 21 min
